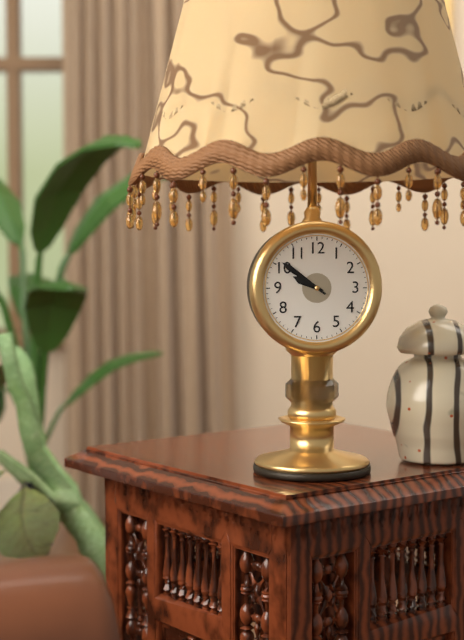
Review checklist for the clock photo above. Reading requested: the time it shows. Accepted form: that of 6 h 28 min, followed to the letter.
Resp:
9 h 51 min
